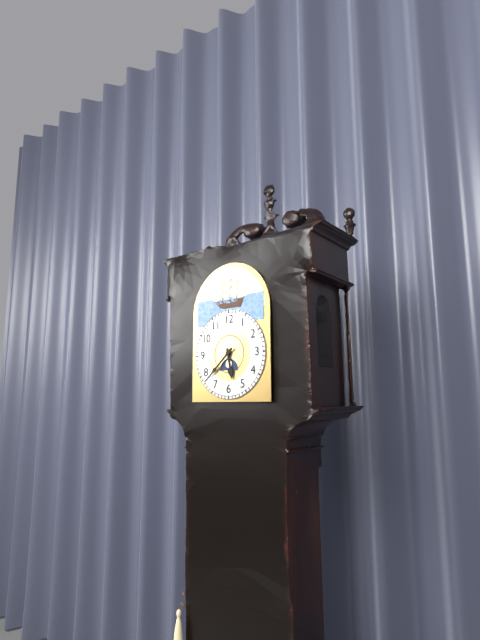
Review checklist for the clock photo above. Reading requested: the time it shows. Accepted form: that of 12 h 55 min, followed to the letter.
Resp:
5 h 38 min
